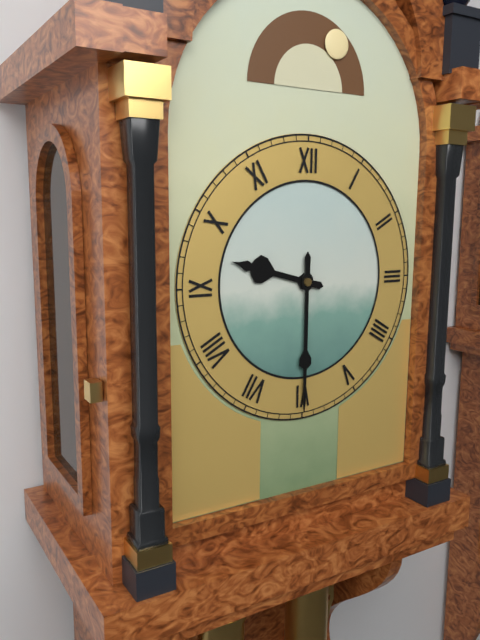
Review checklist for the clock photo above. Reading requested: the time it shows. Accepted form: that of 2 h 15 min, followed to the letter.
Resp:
9 h 30 min
